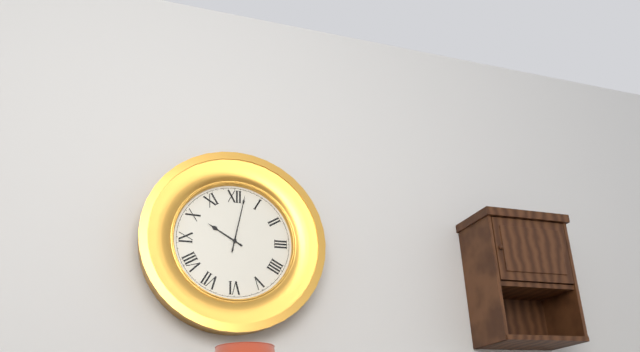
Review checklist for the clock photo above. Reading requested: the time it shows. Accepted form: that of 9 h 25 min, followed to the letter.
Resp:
10 h 02 min
